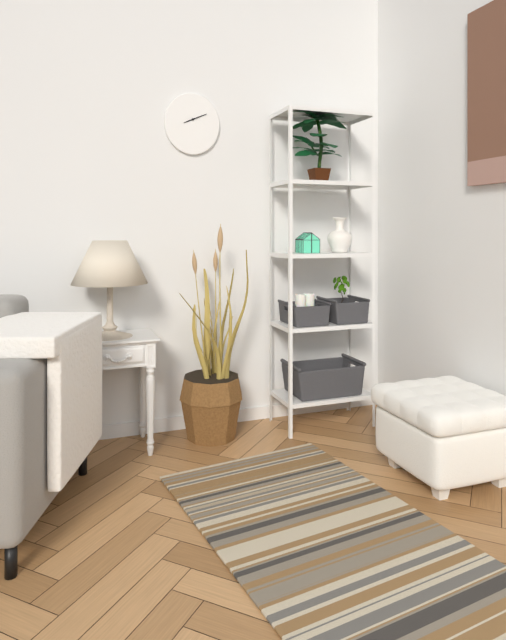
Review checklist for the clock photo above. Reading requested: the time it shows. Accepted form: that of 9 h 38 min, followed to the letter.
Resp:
8 h 11 min
